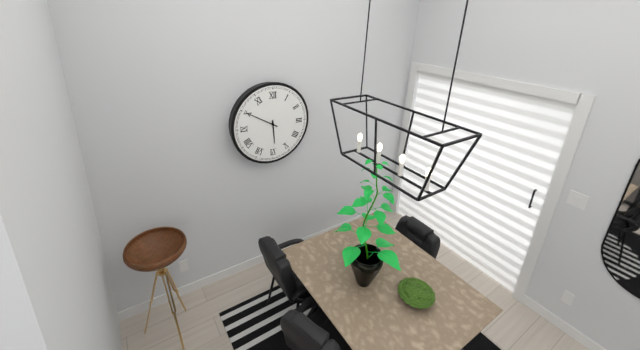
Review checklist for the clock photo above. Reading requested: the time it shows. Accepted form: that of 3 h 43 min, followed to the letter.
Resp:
5 h 50 min
